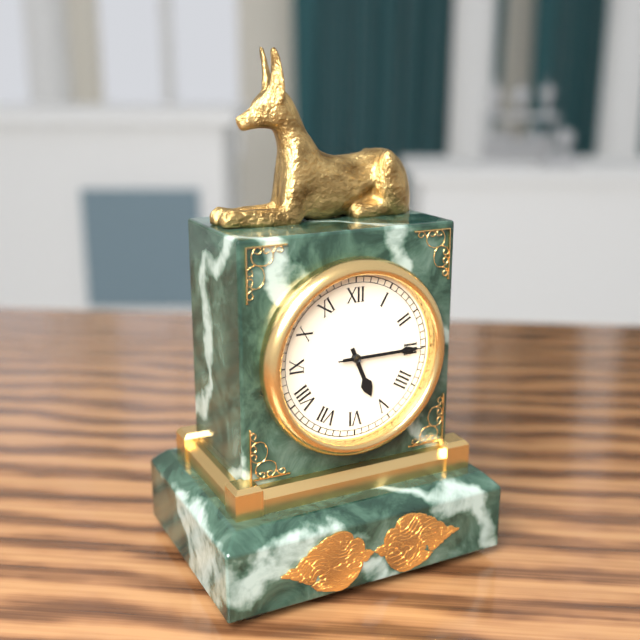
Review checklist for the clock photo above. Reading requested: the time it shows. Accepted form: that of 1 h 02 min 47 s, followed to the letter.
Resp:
5 h 15 min 15 s
